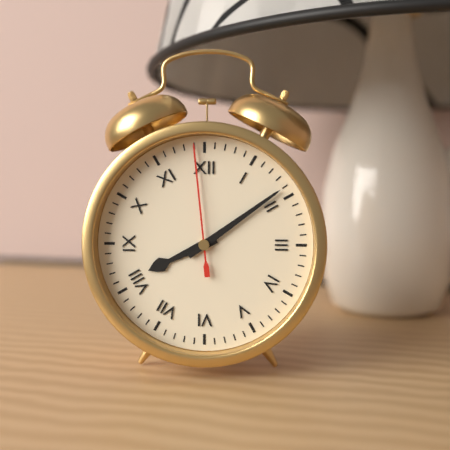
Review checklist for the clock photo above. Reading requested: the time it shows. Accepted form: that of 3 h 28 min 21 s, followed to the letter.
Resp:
8 h 09 min 59 s
